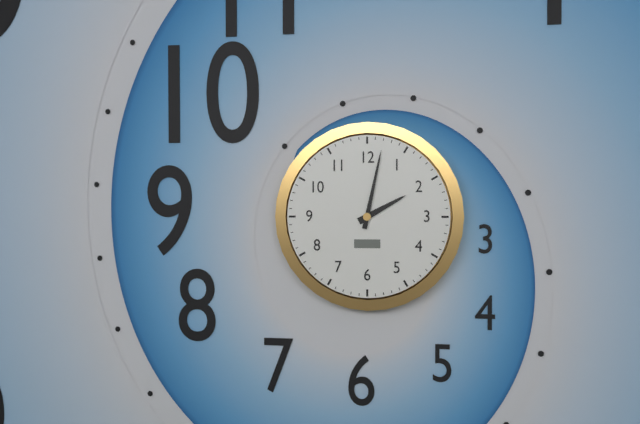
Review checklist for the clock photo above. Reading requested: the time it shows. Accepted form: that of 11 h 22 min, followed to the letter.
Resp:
2 h 02 min
